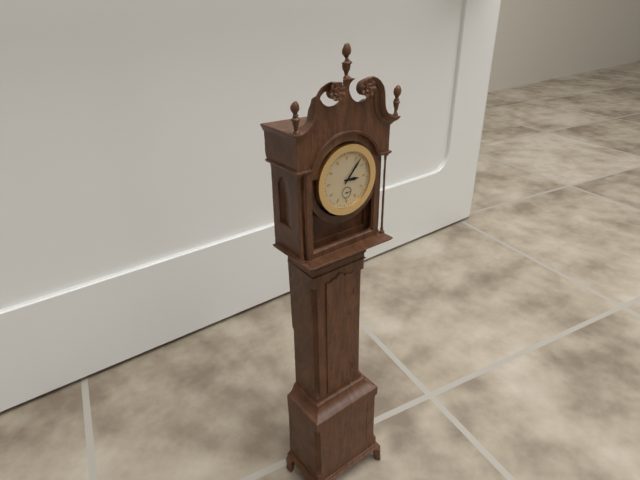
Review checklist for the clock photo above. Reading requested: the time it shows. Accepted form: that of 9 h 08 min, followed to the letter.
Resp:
3 h 07 min
